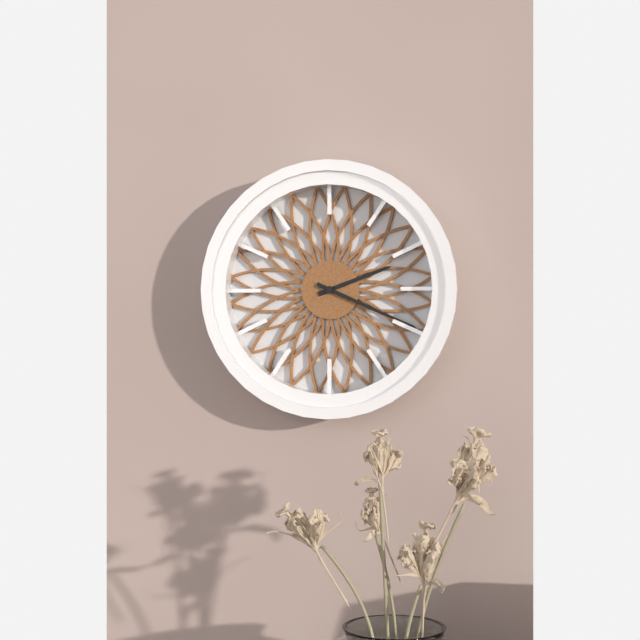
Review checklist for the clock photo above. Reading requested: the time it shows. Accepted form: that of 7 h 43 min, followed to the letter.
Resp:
2 h 19 min
